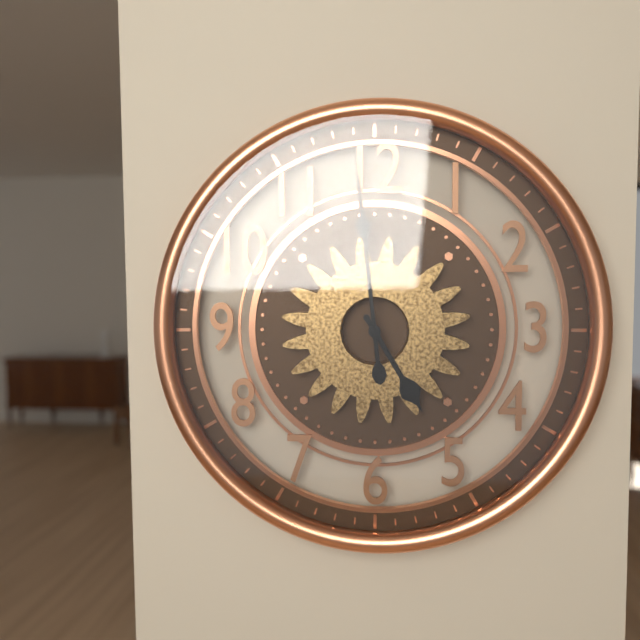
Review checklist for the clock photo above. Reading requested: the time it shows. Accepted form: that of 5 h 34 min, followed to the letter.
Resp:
4 h 59 min
